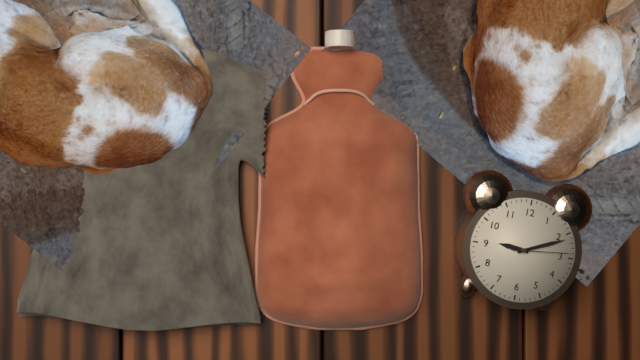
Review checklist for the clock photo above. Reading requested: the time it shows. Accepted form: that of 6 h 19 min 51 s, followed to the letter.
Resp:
9 h 11 min 14 s
